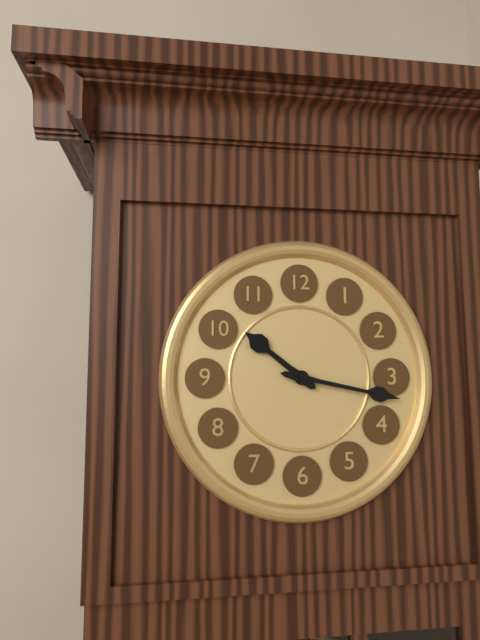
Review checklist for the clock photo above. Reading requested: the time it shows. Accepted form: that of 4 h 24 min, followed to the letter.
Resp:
10 h 17 min
